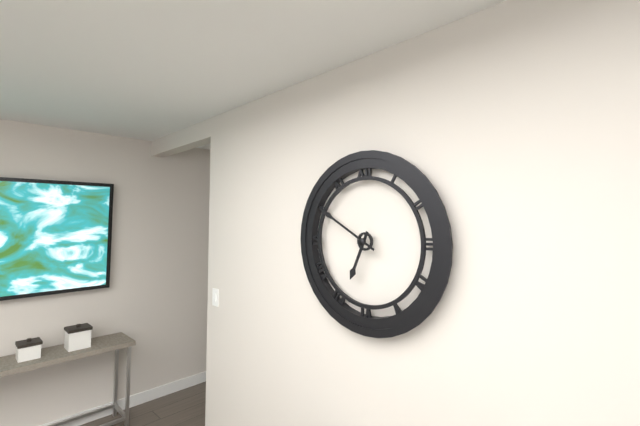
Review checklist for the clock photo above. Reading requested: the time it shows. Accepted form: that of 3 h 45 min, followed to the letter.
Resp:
6 h 50 min
